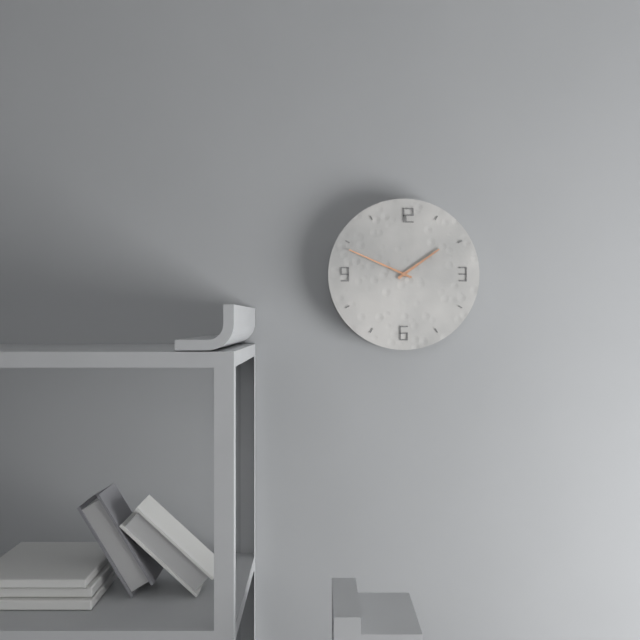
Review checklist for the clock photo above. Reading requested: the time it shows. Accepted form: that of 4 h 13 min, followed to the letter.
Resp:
1 h 49 min
